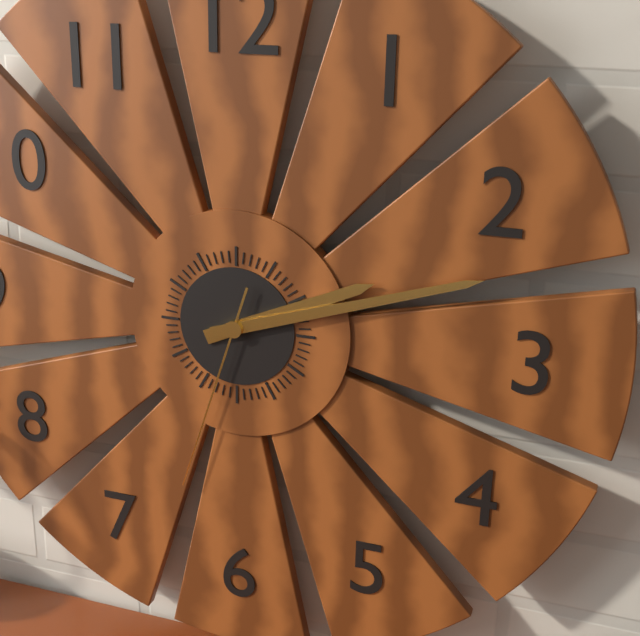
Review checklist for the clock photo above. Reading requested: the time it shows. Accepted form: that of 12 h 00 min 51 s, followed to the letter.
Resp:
2 h 12 min 33 s
